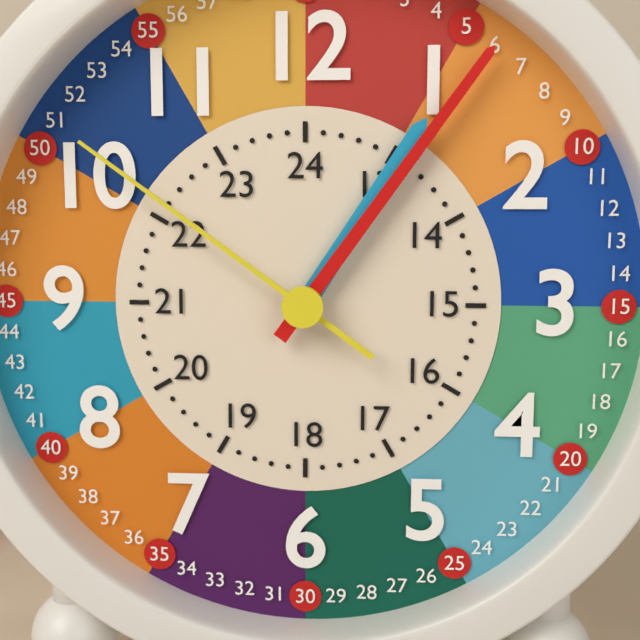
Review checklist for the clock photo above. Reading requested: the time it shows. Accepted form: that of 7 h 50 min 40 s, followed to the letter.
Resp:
1 h 06 min 51 s
